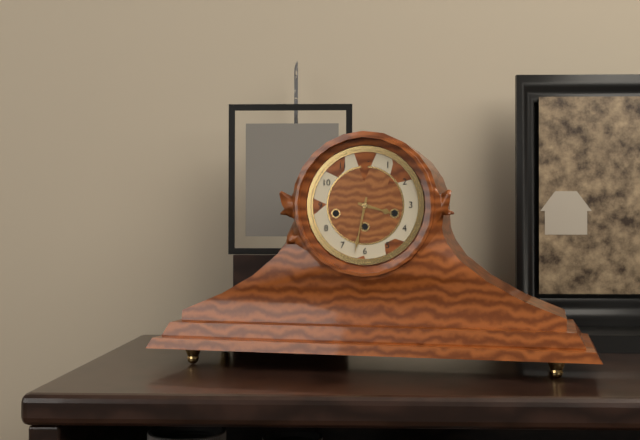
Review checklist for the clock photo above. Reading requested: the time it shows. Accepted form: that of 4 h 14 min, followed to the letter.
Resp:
3 h 32 min
